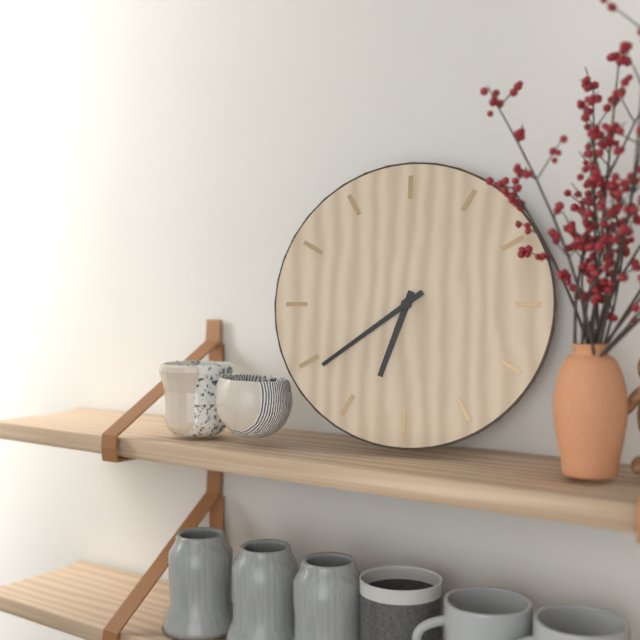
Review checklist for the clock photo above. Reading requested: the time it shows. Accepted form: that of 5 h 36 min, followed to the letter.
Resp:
6 h 39 min
